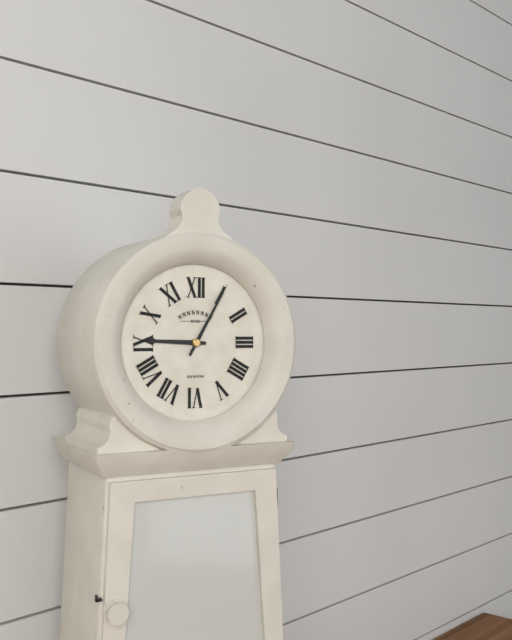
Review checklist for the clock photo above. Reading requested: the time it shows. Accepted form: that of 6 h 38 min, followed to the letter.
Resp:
9 h 05 min
